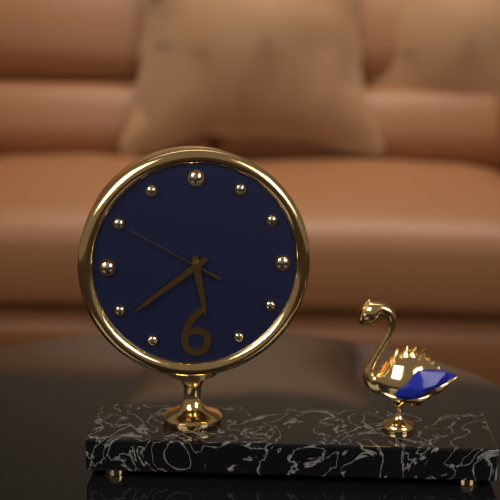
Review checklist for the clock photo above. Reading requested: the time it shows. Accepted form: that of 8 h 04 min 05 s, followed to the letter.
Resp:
5 h 39 min 50 s
